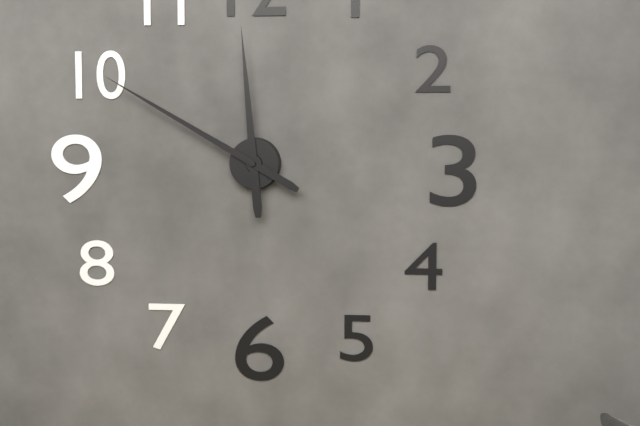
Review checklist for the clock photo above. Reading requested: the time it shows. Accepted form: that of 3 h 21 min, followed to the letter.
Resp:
11 h 50 min
